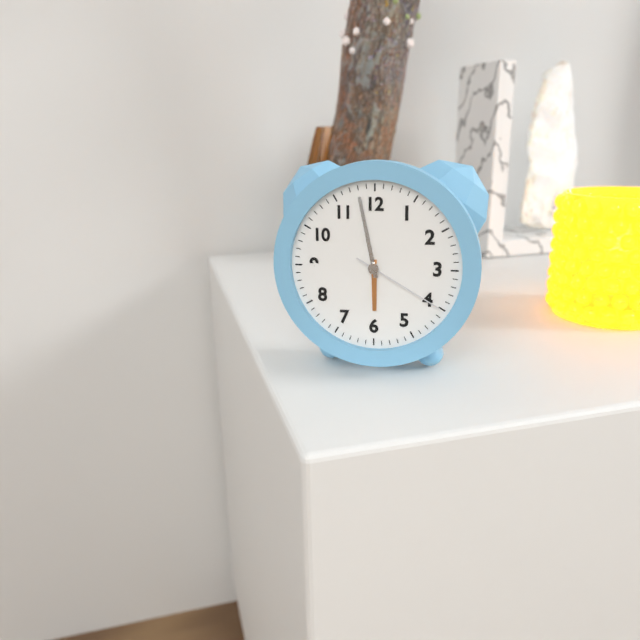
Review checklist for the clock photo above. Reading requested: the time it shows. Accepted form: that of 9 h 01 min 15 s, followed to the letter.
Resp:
5 h 58 min 20 s
